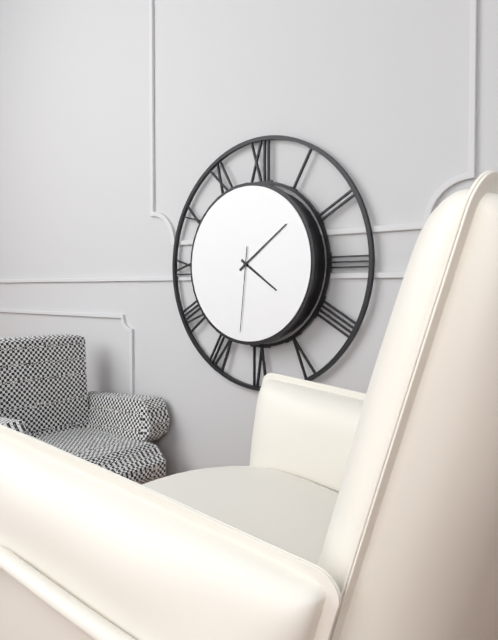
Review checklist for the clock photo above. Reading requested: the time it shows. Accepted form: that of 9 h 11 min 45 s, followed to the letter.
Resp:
4 h 09 min 31 s
